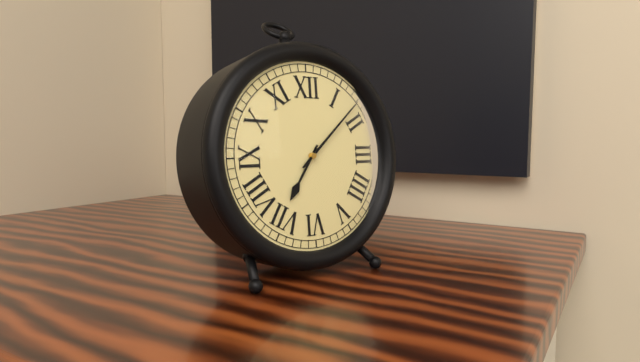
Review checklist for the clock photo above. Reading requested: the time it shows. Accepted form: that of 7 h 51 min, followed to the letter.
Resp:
7 h 08 min
